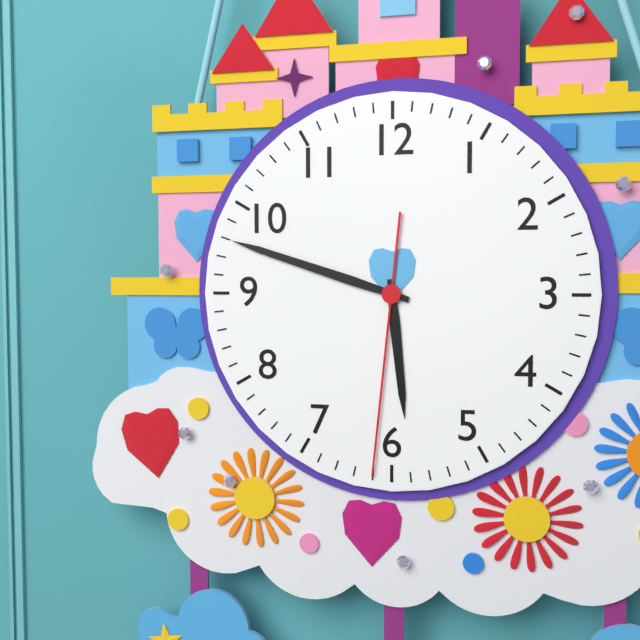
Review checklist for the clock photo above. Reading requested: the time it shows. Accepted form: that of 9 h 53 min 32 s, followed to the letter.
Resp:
5 h 48 min 31 s
